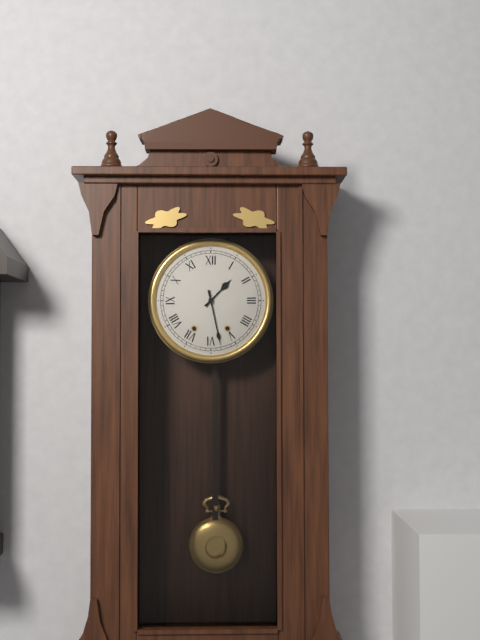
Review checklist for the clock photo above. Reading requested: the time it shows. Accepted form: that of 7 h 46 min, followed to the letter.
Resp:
1 h 28 min
